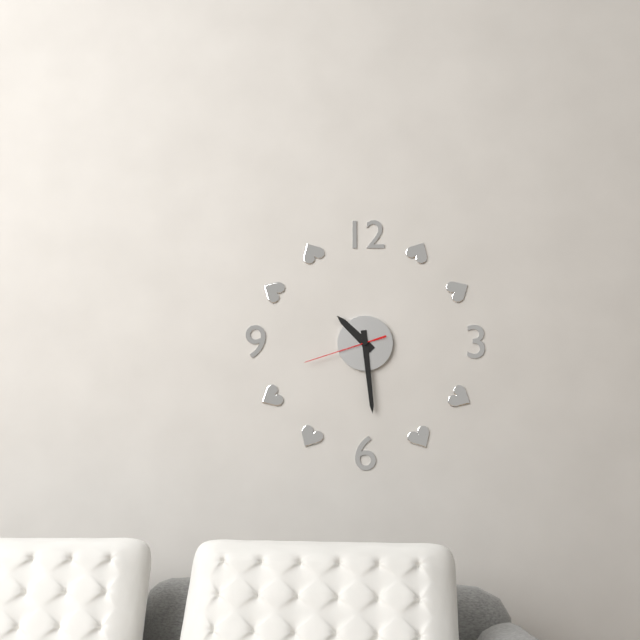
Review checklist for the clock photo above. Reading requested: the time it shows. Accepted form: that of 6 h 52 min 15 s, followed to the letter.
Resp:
10 h 29 min 42 s
